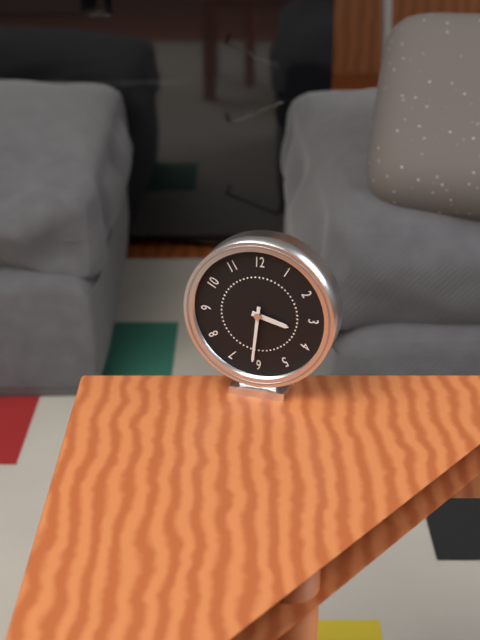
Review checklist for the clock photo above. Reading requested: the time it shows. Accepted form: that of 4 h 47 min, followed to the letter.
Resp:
3 h 31 min
